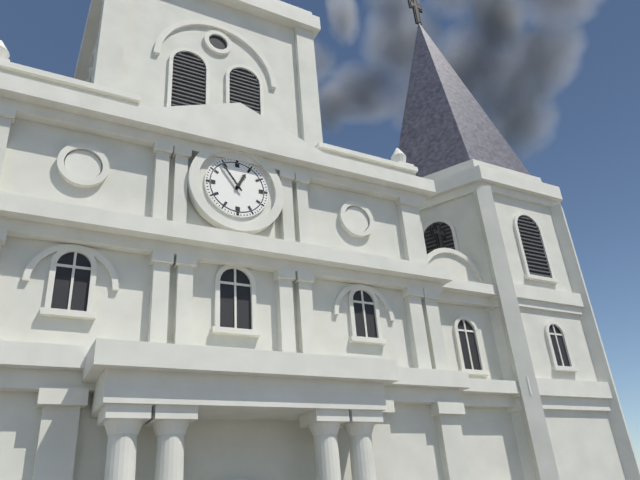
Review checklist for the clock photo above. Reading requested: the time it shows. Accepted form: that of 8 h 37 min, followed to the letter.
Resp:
12 h 54 min
